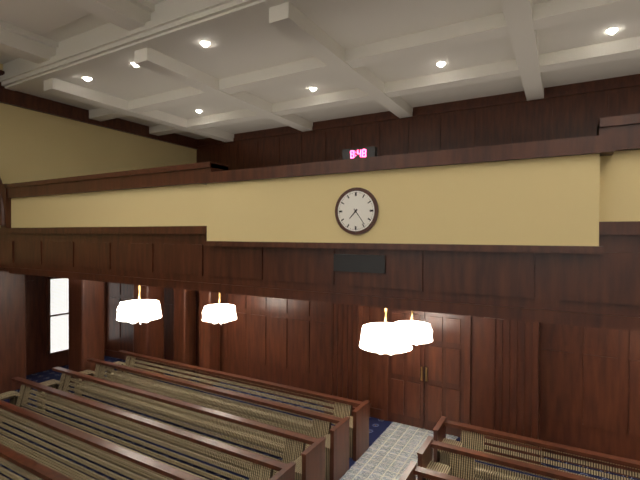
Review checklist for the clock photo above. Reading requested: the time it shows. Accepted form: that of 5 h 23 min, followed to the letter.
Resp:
7 h 24 min
